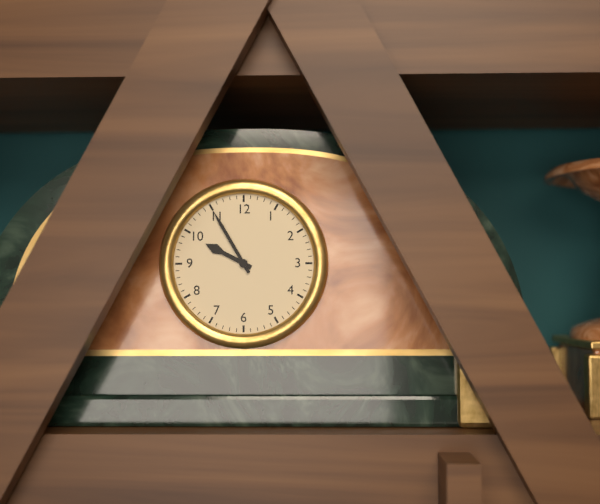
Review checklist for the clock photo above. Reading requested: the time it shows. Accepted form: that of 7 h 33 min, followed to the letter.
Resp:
9 h 55 min
